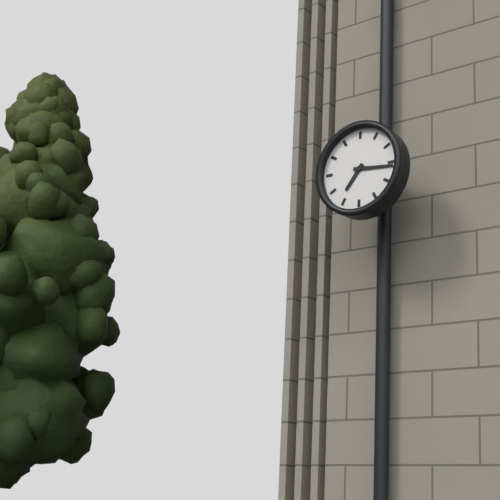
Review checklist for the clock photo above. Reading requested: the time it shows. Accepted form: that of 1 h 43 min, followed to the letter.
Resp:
7 h 16 min
